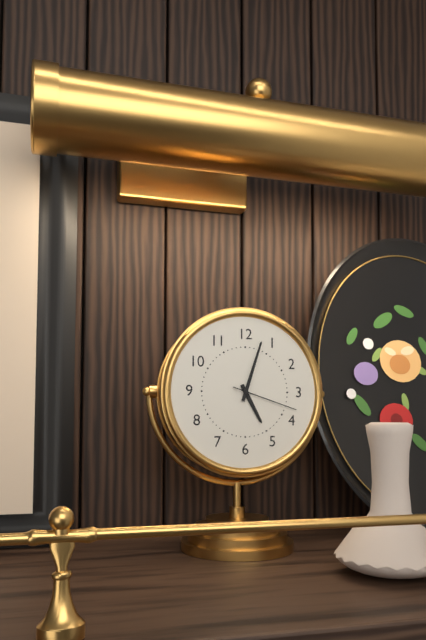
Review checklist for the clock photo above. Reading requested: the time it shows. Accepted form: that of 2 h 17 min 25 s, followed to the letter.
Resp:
5 h 03 min 18 s
